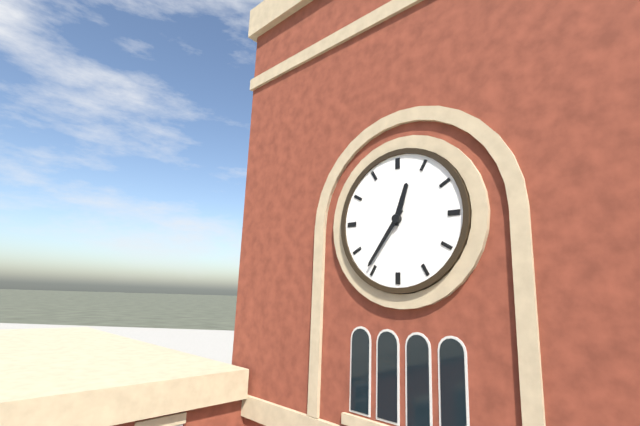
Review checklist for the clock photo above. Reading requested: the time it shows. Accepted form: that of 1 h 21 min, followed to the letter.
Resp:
12 h 36 min
